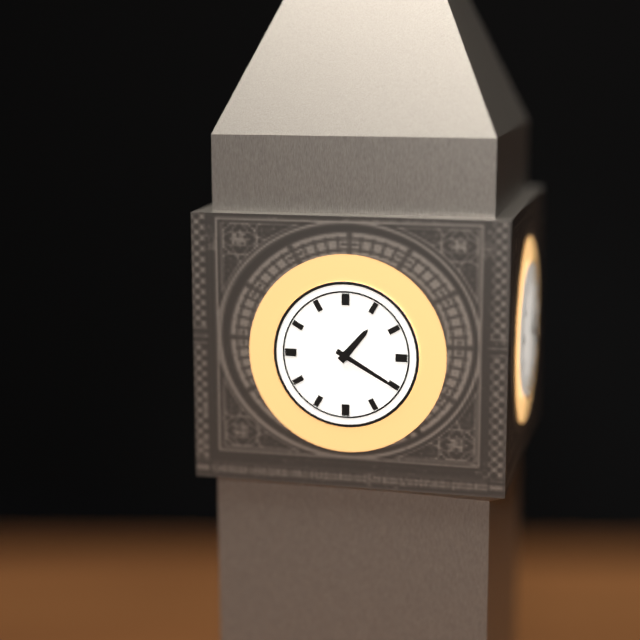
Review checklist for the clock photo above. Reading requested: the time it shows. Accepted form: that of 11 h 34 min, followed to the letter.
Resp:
1 h 20 min
